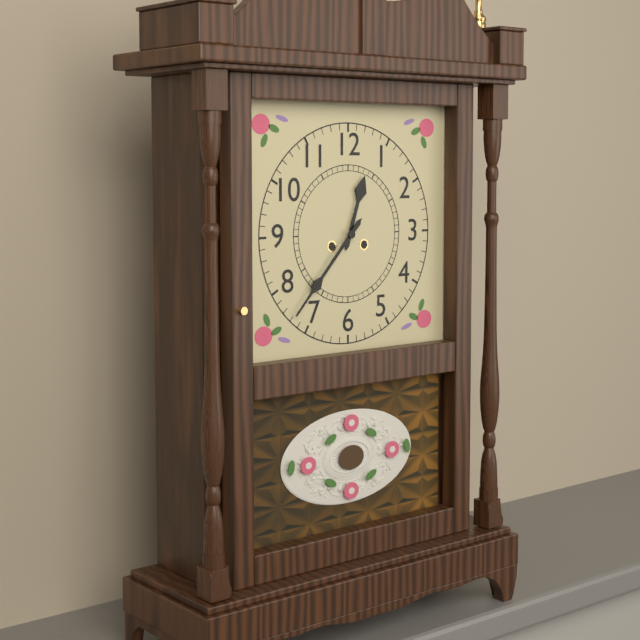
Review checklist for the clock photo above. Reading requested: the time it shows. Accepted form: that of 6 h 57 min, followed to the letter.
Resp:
12 h 37 min
